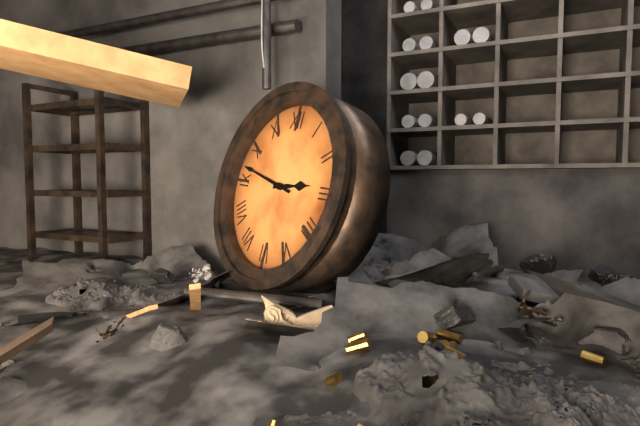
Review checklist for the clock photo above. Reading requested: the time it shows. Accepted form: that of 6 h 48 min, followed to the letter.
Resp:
2 h 47 min
